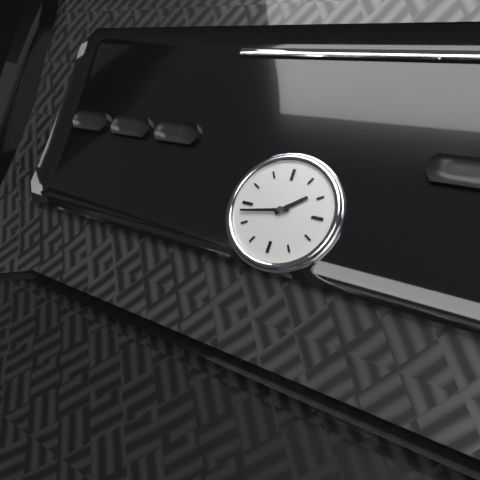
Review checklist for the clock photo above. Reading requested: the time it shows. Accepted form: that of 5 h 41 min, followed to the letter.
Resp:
1 h 43 min
